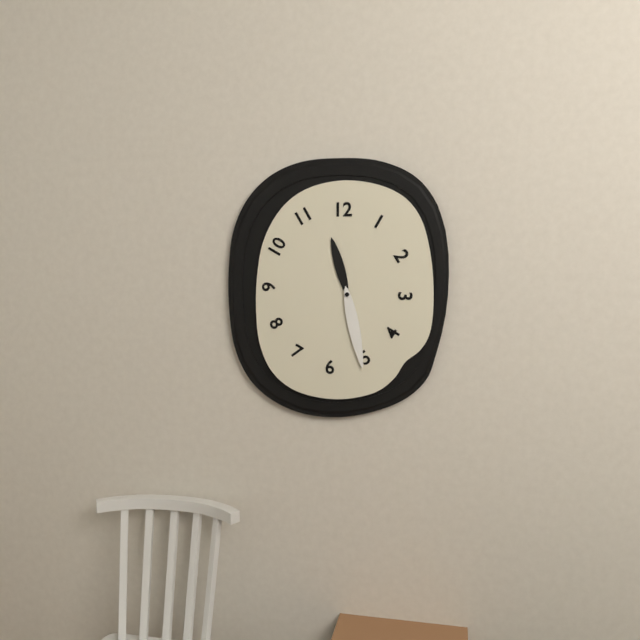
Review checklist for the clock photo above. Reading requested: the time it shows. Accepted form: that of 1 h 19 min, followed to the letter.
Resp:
11 h 28 min
